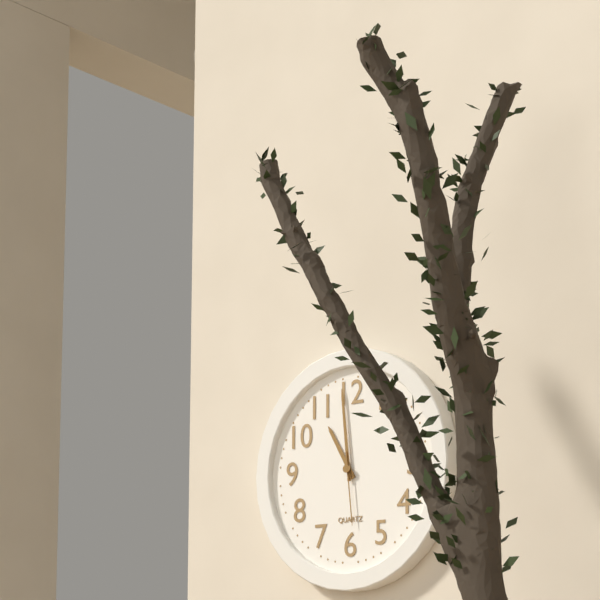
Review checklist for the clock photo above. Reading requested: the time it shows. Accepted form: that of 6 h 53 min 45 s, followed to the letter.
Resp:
10 h 59 min 29 s
